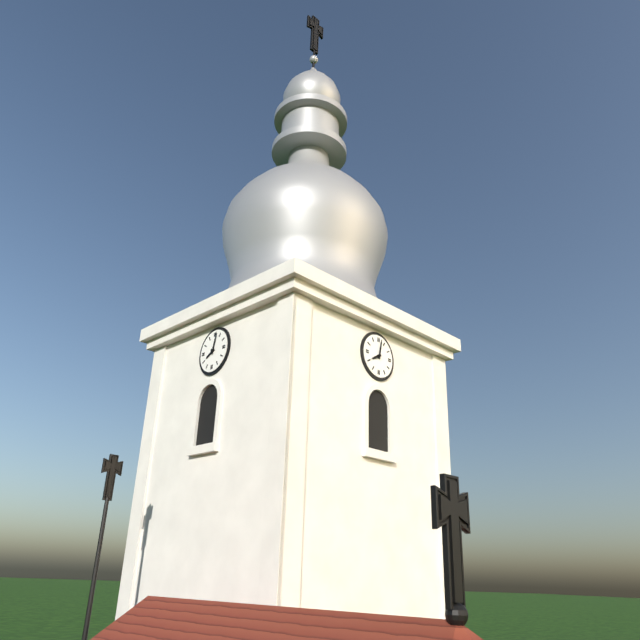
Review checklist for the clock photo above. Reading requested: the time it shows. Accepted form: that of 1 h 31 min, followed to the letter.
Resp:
8 h 02 min
